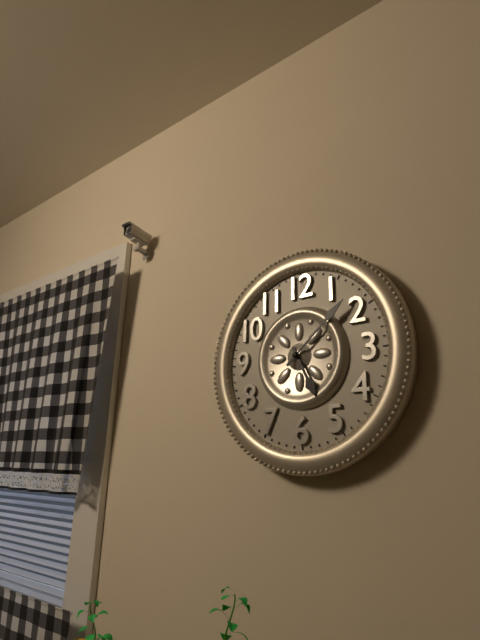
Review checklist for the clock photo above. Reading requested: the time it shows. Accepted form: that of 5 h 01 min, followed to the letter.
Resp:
5 h 08 min
